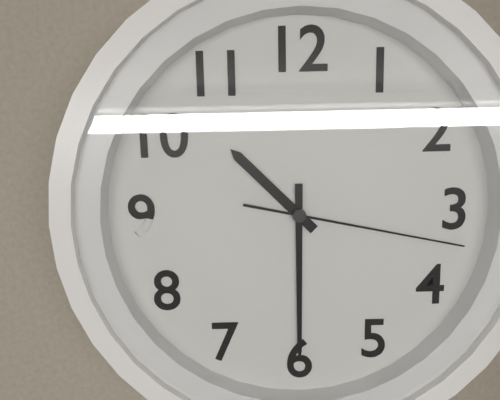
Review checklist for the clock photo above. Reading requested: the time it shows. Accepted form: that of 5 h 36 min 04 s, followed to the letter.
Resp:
10 h 30 min 17 s
